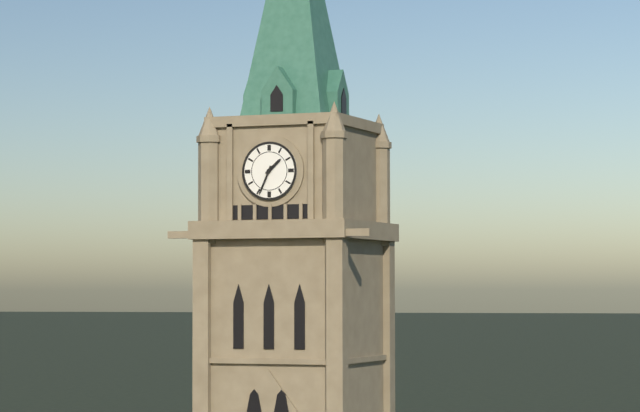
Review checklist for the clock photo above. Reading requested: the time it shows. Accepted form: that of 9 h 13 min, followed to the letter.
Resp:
1 h 34 min
